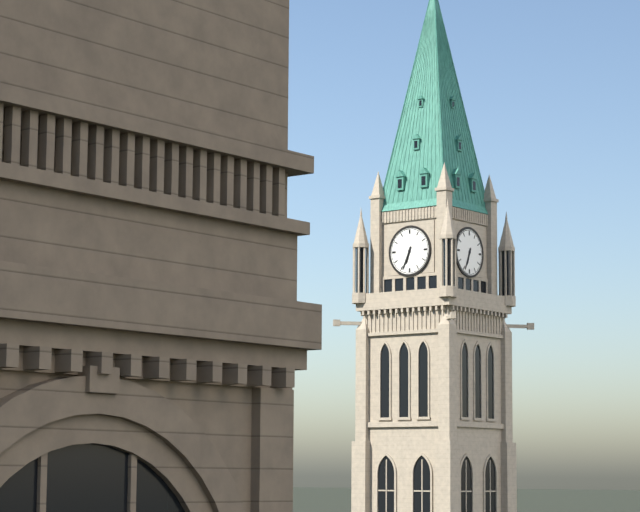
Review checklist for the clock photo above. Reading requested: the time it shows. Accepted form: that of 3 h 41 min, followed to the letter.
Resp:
6 h 34 min
